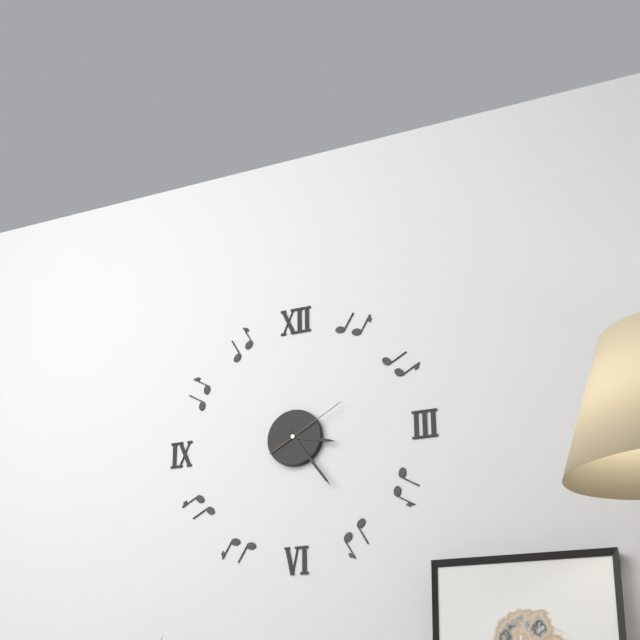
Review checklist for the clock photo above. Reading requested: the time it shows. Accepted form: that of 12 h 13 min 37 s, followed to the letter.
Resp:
3 h 24 min 10 s
